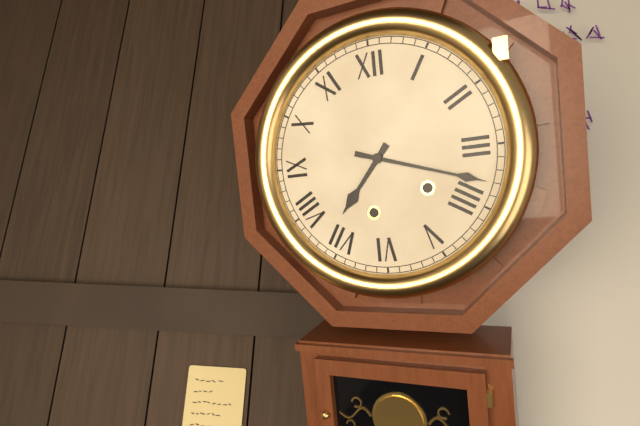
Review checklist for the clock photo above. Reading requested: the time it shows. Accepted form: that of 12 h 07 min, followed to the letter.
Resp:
7 h 18 min
